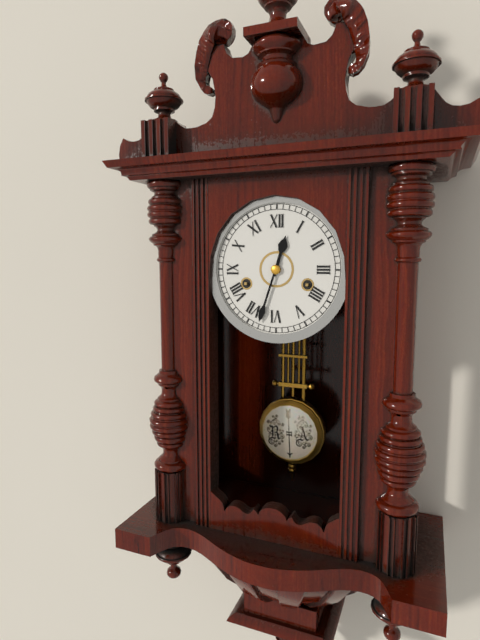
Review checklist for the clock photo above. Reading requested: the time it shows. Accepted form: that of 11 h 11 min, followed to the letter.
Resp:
12 h 33 min
